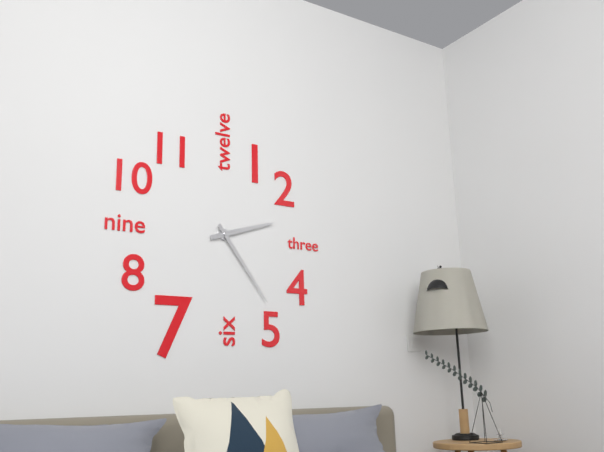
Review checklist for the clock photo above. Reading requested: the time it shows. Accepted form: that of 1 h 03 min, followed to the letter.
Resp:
2 h 24 min
